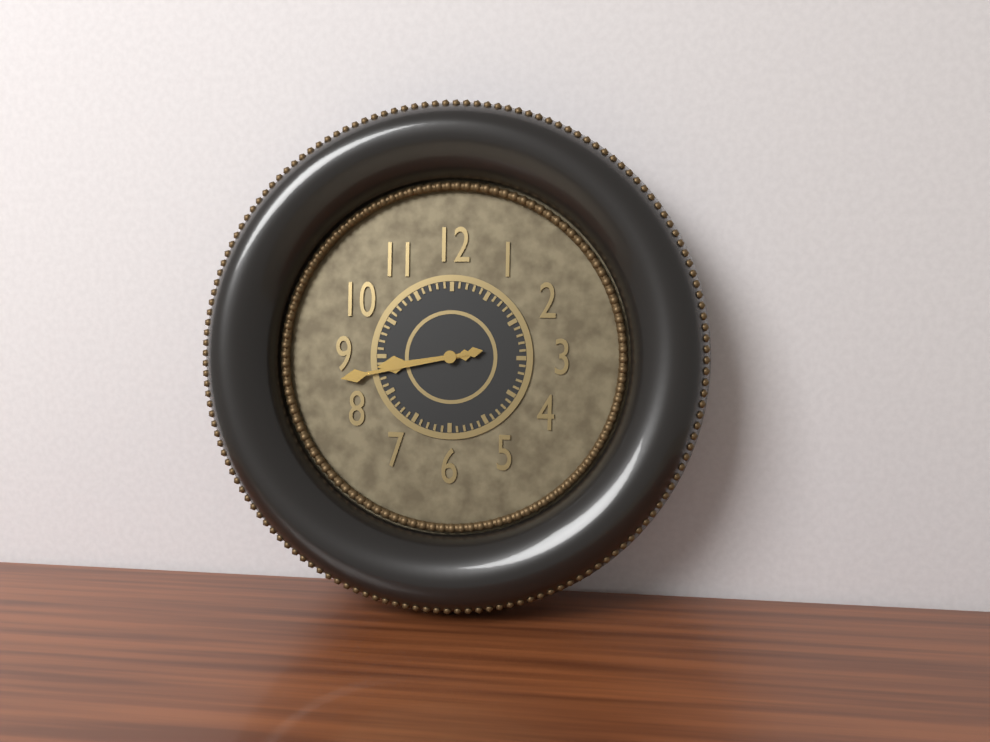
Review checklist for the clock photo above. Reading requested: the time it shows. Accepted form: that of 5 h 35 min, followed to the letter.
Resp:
8 h 43 min
